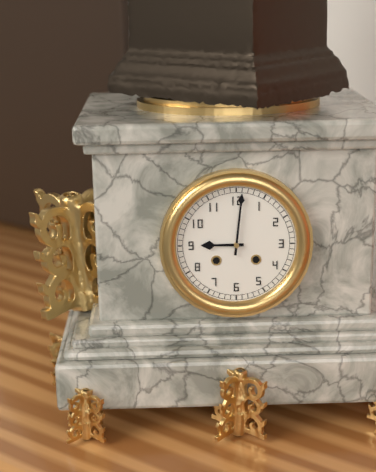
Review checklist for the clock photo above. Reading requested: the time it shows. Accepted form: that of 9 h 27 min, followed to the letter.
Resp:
9 h 01 min
